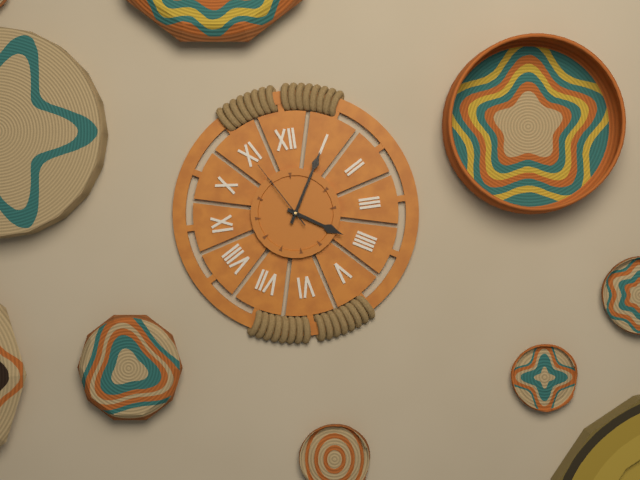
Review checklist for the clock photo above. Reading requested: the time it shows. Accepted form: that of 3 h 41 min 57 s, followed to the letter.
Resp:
4 h 05 min 55 s
